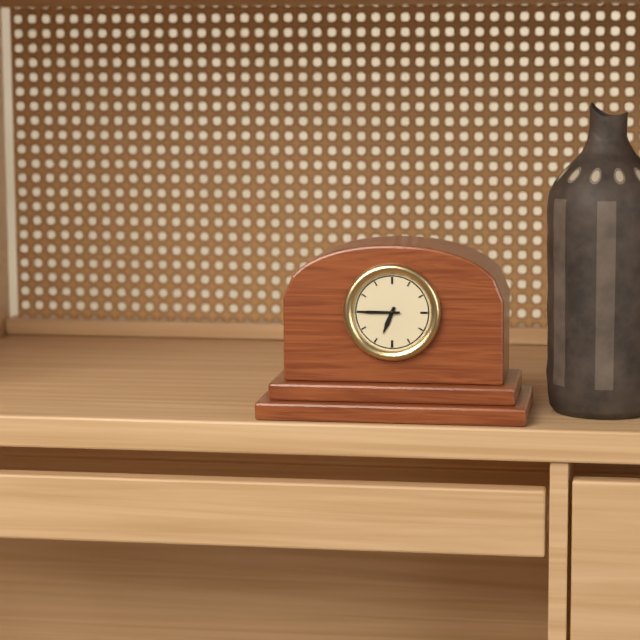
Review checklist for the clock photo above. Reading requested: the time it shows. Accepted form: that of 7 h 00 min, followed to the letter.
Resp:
6 h 45 min
